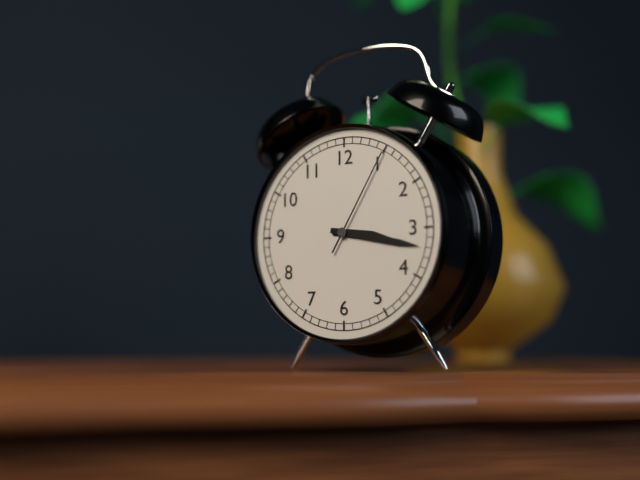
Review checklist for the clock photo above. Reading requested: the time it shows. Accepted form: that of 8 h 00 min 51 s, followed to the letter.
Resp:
3 h 17 min 05 s
